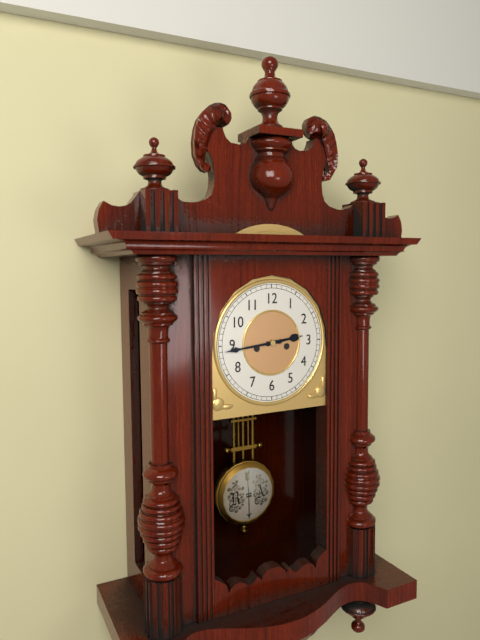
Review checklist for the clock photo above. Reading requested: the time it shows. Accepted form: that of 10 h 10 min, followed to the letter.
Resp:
2 h 44 min
